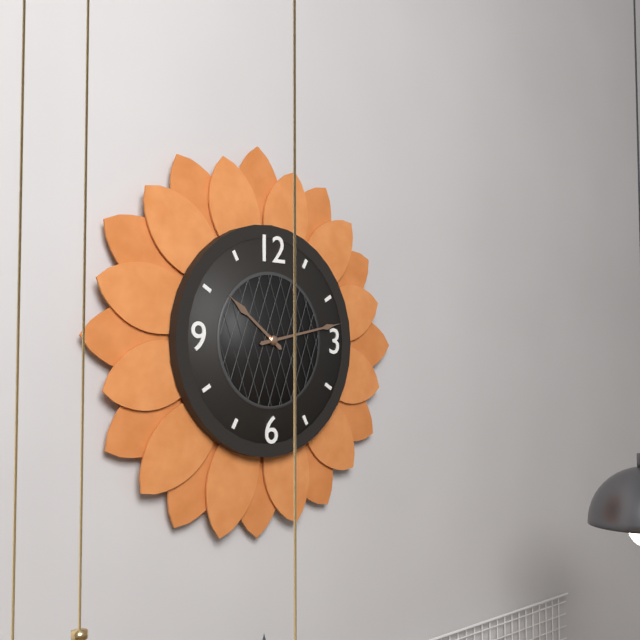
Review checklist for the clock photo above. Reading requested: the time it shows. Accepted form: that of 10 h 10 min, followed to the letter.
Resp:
10 h 13 min
